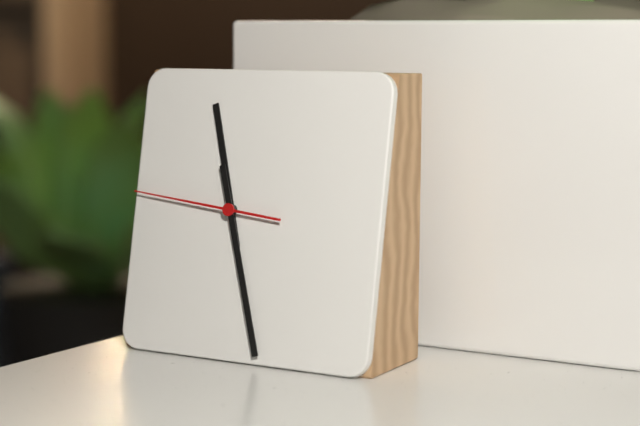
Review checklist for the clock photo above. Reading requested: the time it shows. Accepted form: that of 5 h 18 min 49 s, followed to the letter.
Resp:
11 h 27 min 46 s
